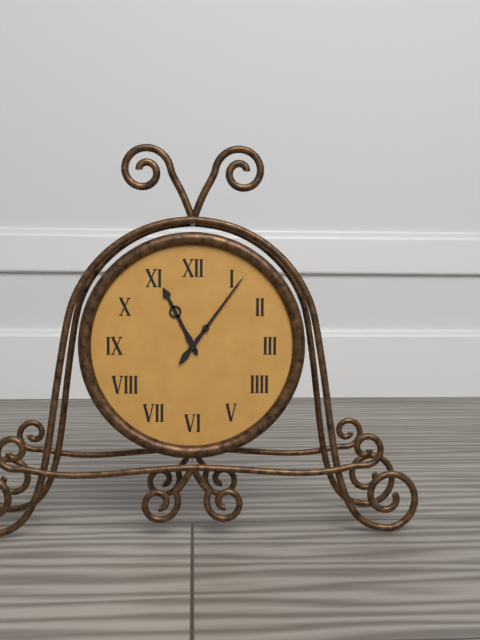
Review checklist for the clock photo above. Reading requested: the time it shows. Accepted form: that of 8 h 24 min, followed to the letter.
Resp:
11 h 06 min
